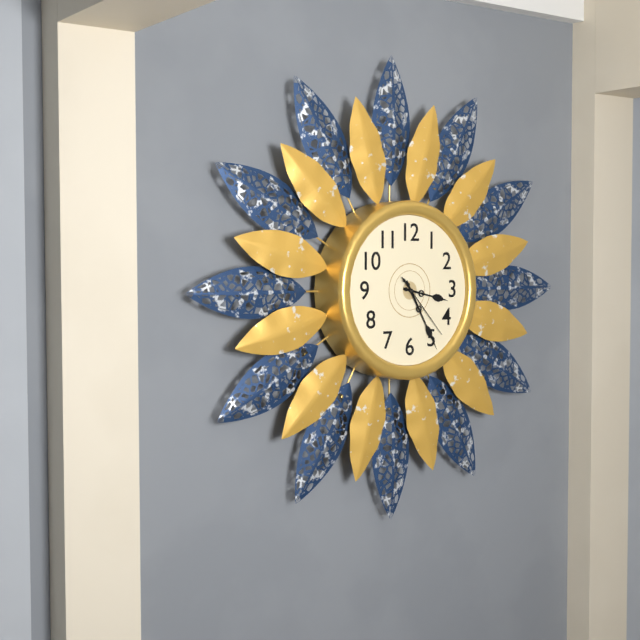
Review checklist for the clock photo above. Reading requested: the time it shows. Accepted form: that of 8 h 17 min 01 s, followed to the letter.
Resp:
3 h 25 min 23 s
